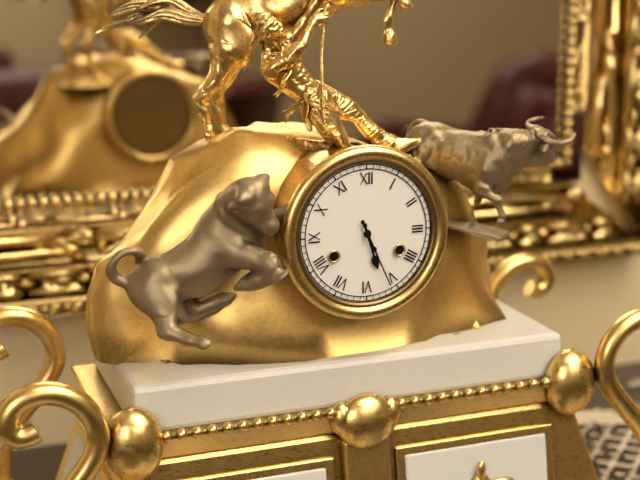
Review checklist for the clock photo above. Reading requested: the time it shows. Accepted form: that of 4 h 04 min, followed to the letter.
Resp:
5 h 26 min
